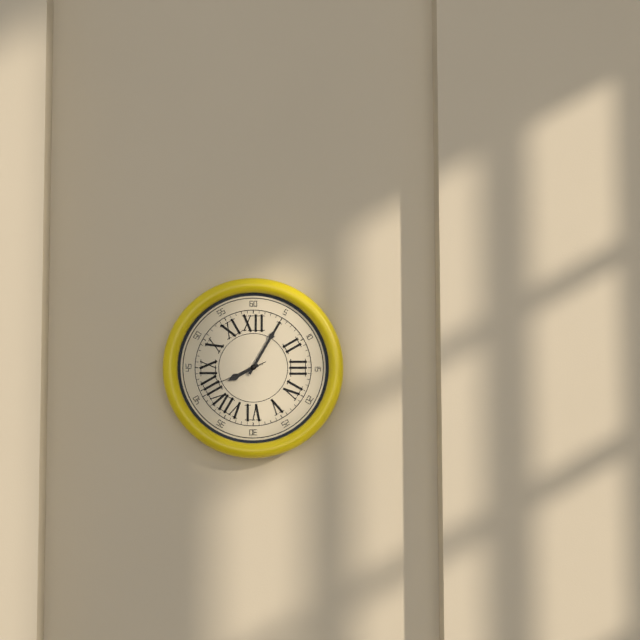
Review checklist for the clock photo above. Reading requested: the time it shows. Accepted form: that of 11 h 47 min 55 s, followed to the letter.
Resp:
8 h 05 min 41 s
